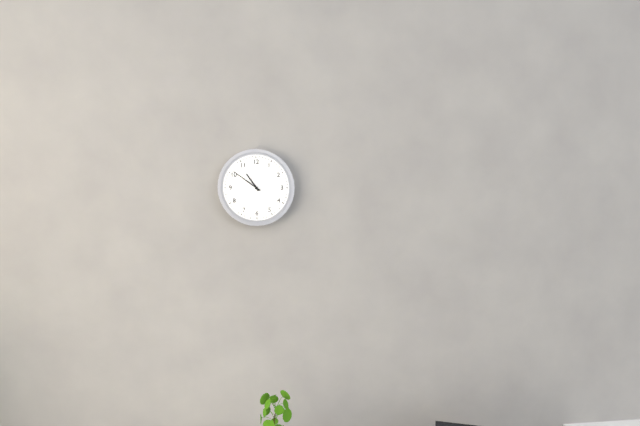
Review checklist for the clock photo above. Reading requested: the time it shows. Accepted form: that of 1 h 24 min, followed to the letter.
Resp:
10 h 51 min
